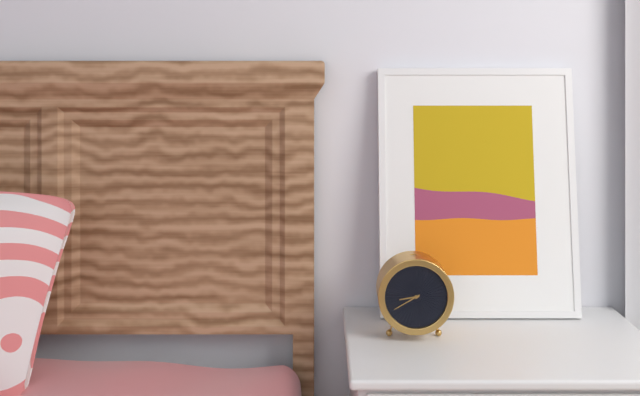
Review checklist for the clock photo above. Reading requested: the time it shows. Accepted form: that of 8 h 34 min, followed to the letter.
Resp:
8 h 40 min
